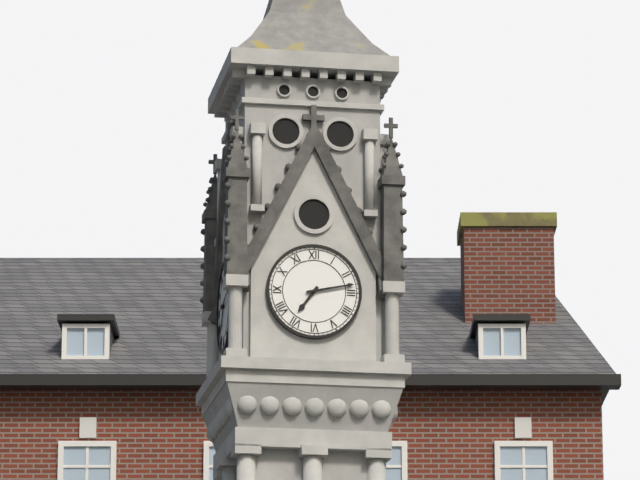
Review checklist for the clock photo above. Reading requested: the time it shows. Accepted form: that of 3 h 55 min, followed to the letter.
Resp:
7 h 13 min
